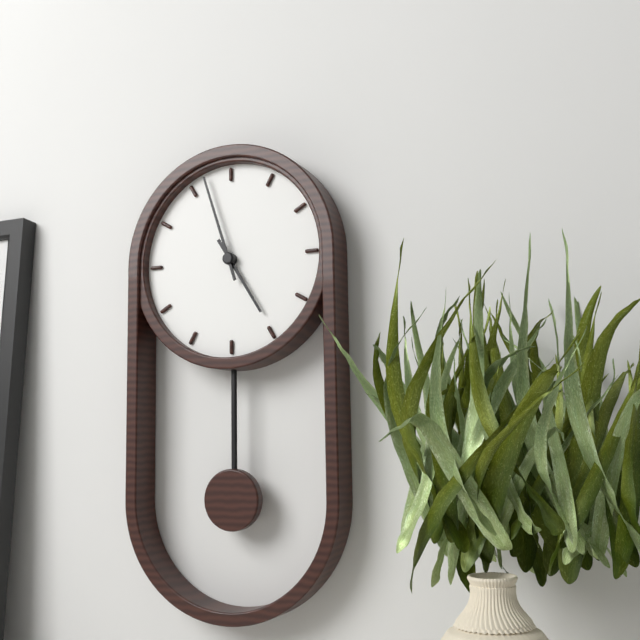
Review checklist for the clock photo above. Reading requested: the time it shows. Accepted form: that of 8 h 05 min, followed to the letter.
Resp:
4 h 57 min
